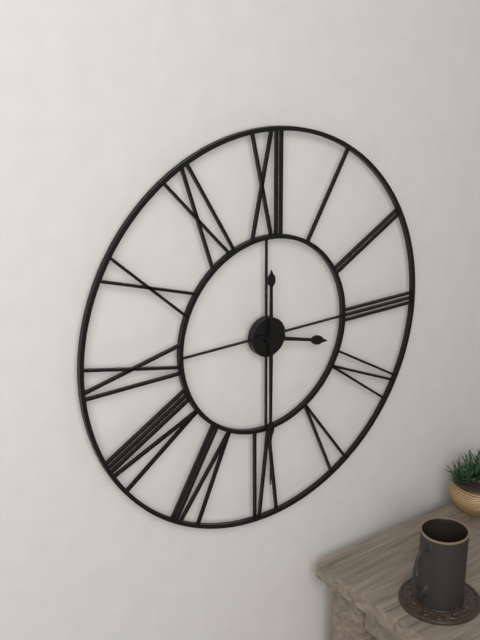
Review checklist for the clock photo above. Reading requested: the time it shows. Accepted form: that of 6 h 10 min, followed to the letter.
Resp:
3 h 30 min
